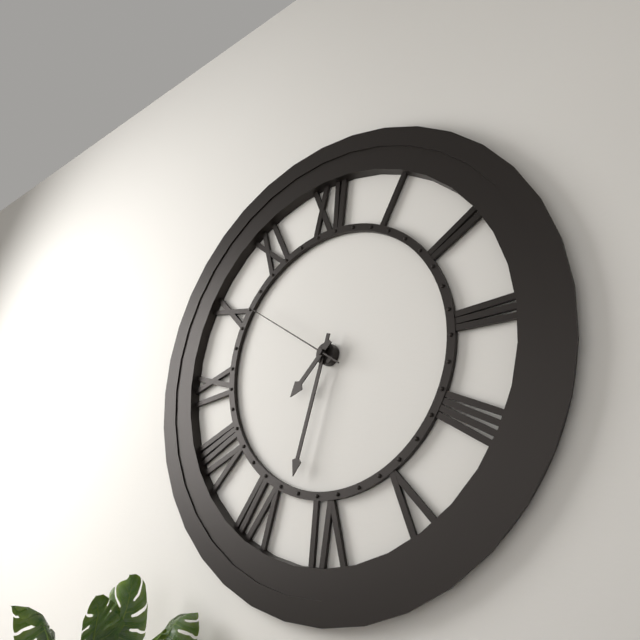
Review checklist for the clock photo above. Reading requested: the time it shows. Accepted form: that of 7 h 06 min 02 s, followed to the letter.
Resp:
7 h 33 min 51 s
